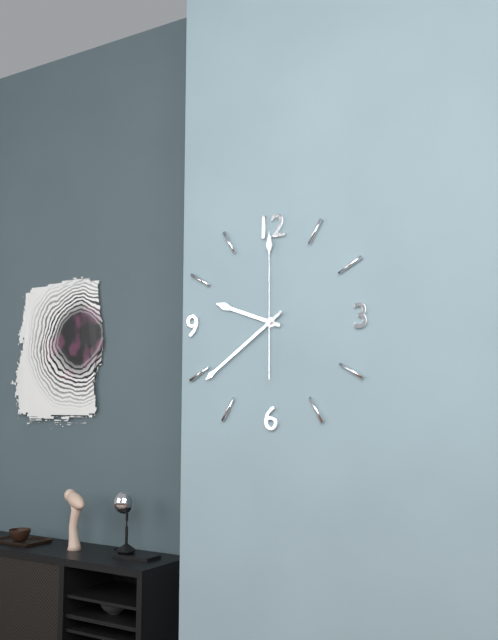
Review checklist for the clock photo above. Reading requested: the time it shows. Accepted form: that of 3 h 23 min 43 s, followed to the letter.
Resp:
9 h 39 min 00 s
